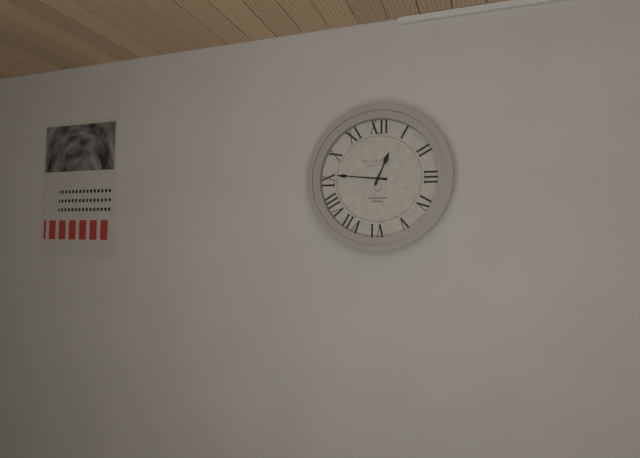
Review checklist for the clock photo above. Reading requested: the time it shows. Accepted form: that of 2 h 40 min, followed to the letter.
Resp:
12 h 46 min
